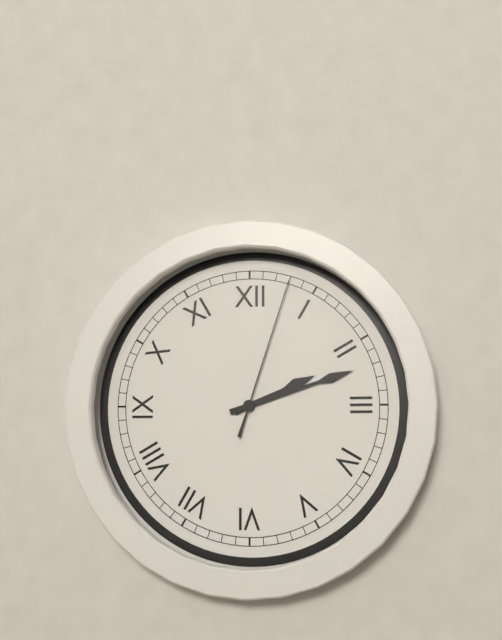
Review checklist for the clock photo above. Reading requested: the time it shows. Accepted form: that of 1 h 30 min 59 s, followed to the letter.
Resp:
2 h 12 min 03 s
